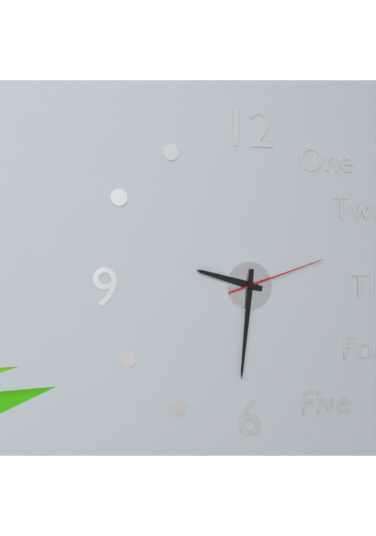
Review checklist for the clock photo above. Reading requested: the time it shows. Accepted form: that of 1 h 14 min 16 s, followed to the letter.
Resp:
9 h 31 min 12 s
